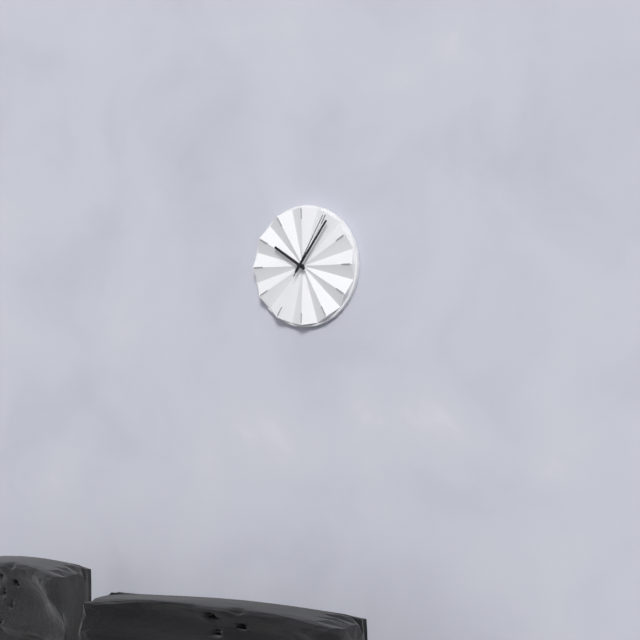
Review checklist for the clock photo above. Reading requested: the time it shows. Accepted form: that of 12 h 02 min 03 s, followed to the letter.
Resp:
10 h 06 min 05 s
